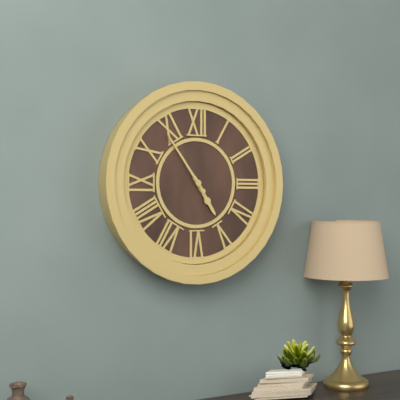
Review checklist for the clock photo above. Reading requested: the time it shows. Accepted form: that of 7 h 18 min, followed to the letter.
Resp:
4 h 54 min
